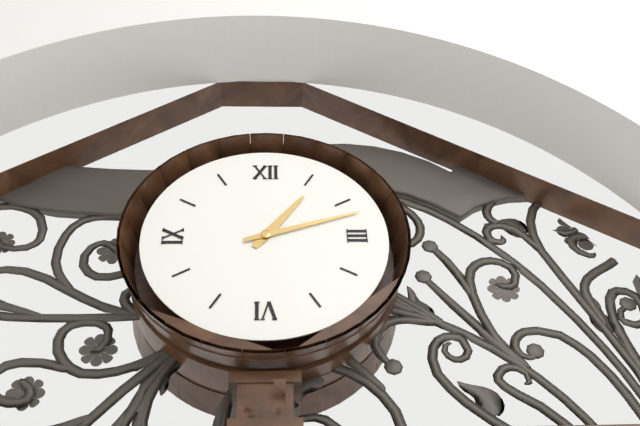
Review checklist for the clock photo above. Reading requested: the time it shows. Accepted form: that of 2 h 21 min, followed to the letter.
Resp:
1 h 12 min
